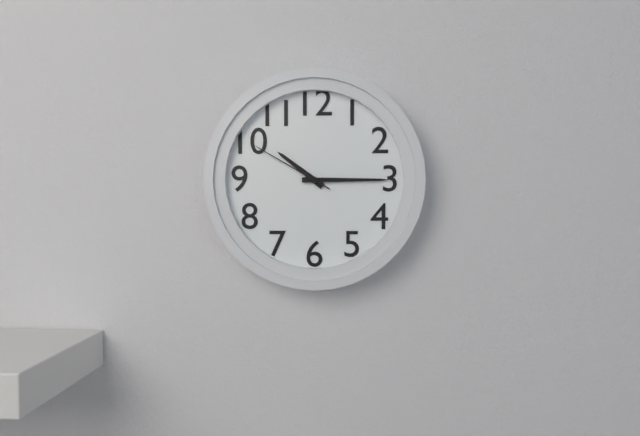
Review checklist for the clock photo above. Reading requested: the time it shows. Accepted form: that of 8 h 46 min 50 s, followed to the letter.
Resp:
10 h 15 min 50 s
